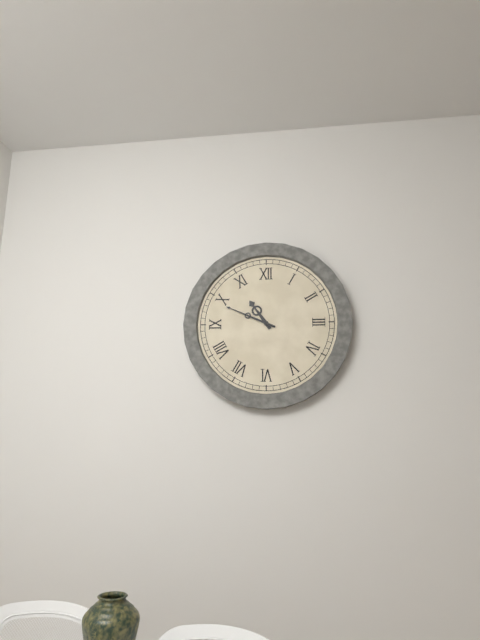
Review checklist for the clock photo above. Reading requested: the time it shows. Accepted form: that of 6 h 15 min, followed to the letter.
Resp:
10 h 49 min
